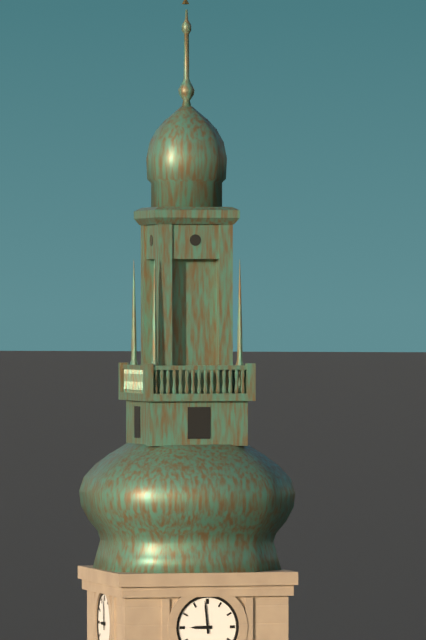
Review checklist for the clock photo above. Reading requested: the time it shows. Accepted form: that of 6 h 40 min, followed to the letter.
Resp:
8 h 59 min
